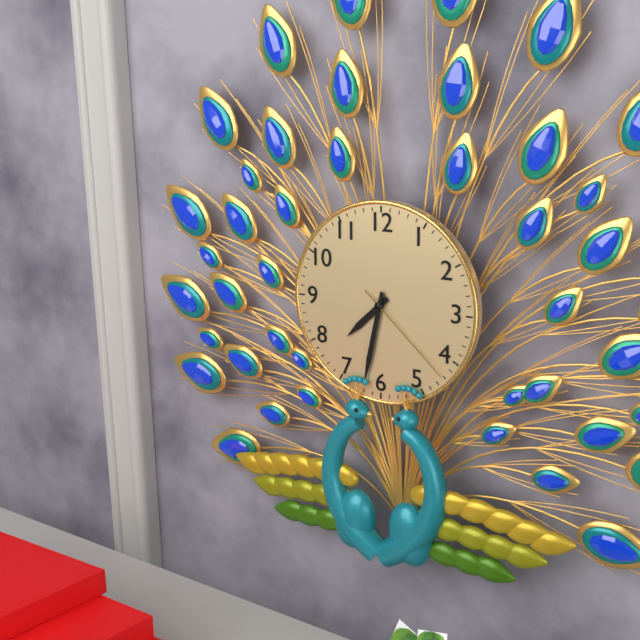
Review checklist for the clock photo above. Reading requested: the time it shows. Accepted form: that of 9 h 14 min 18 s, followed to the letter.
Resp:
7 h 32 min 22 s
